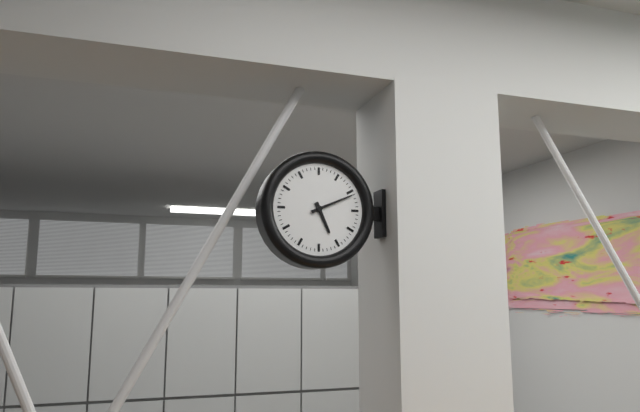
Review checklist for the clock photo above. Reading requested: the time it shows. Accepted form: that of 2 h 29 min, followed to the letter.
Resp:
5 h 11 min
